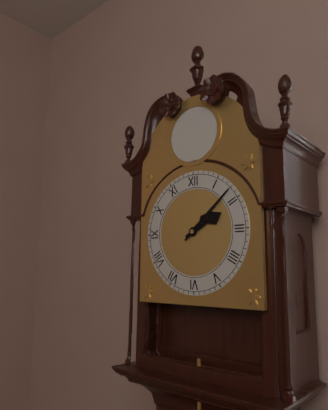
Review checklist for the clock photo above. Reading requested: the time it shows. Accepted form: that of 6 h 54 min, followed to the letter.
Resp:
2 h 08 min
